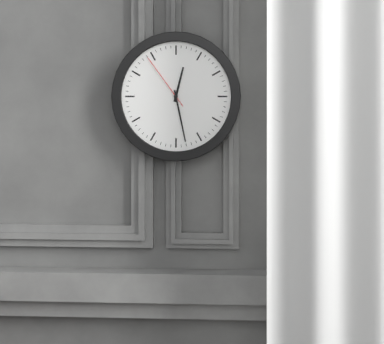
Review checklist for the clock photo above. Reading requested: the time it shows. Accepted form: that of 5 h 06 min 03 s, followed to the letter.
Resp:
12 h 28 min 54 s
